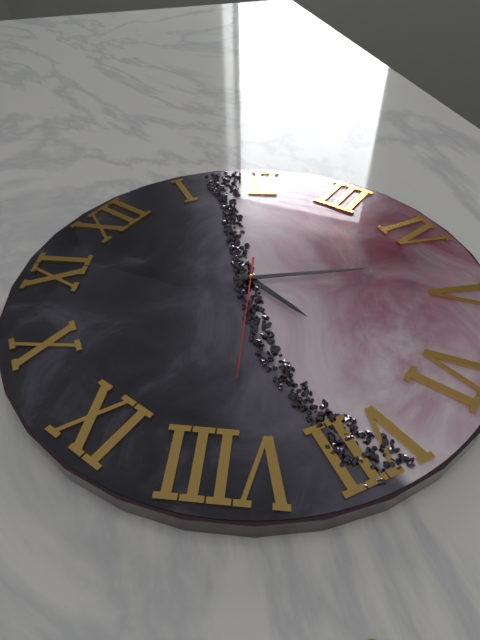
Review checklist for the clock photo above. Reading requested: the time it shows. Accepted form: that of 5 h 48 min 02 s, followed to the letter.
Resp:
6 h 23 min 40 s
